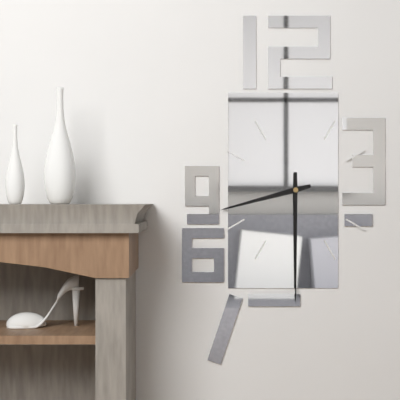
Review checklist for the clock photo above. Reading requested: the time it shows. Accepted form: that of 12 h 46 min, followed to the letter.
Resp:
8 h 30 min
